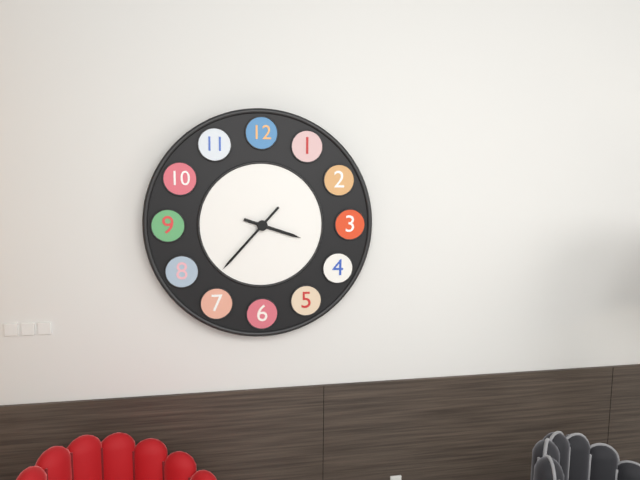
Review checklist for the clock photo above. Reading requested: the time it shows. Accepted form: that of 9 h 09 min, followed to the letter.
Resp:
3 h 37 min
